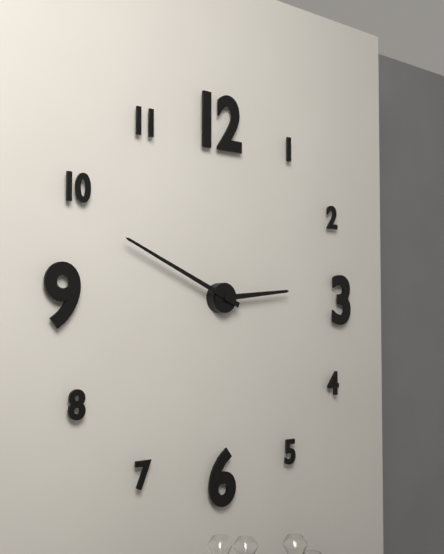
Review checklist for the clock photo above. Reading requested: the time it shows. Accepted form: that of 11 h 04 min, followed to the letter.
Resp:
2 h 49 min
